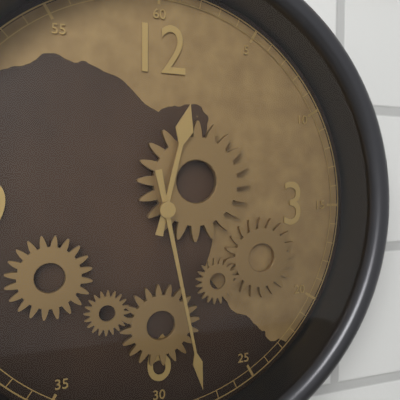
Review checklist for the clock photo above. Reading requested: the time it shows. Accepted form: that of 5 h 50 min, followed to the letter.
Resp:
12 h 28 min
